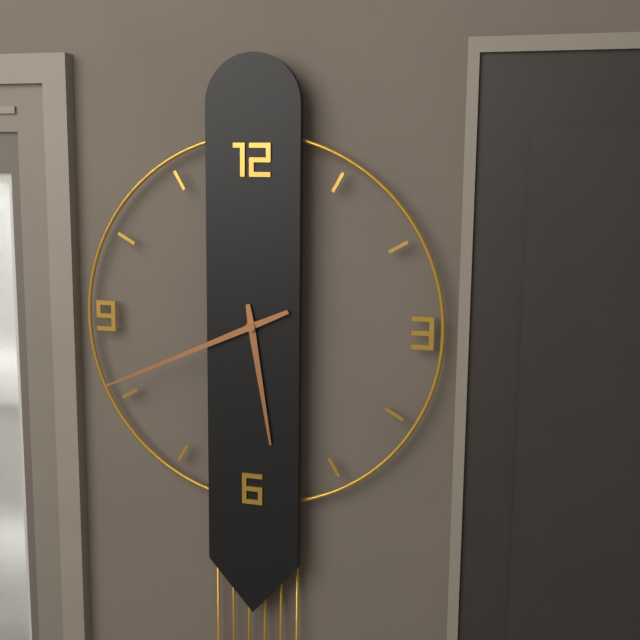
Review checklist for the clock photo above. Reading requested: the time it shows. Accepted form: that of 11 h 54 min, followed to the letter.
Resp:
5 h 41 min
